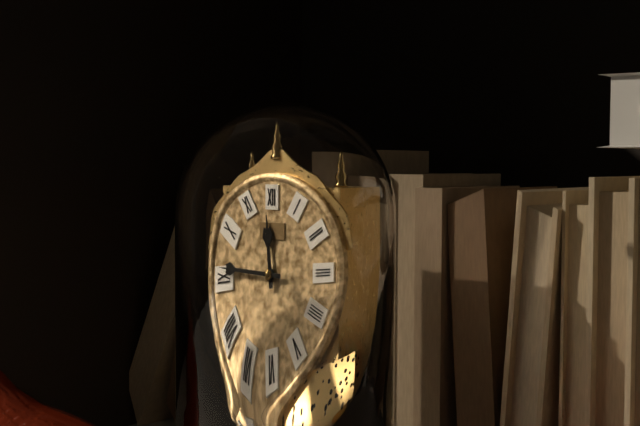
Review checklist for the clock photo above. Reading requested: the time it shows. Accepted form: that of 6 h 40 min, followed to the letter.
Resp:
11 h 46 min
